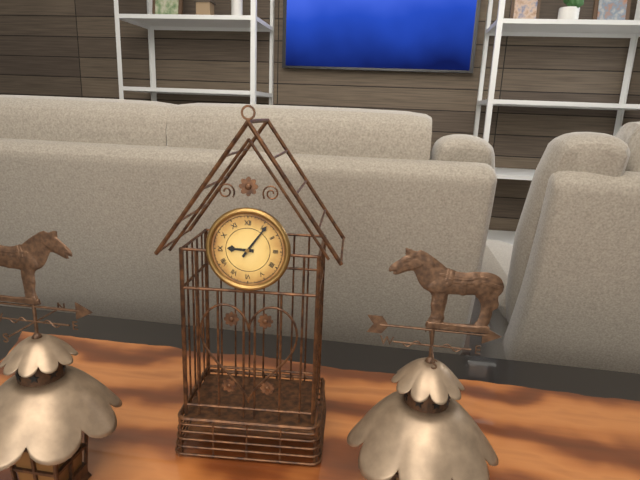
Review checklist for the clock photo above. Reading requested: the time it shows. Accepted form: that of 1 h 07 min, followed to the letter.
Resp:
9 h 06 min
